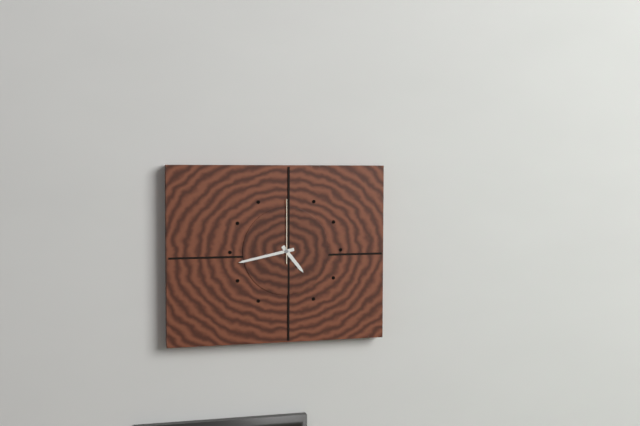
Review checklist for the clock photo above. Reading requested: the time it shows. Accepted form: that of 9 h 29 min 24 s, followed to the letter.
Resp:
4 h 43 min 00 s
